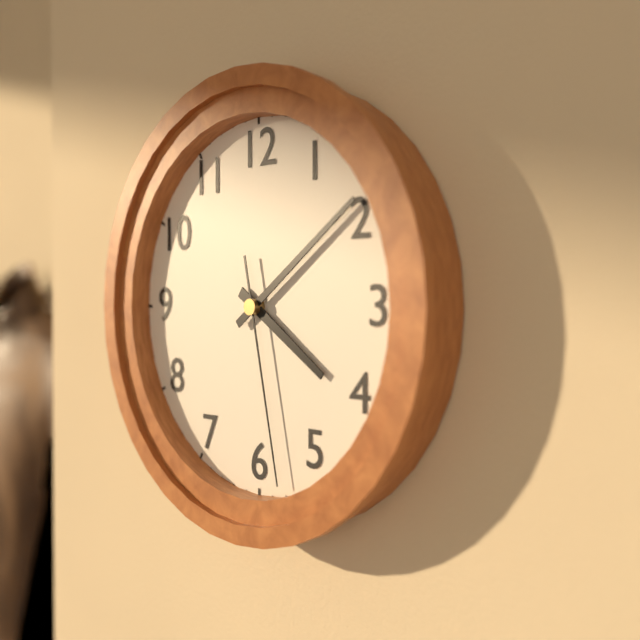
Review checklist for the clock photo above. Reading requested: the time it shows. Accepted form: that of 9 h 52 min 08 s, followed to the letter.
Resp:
4 h 09 min 28 s
